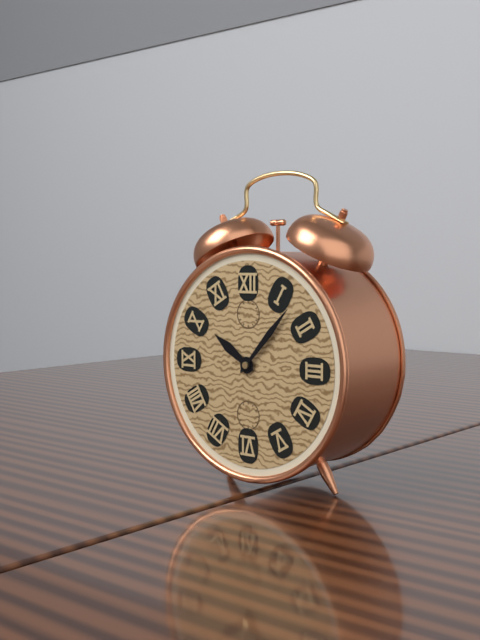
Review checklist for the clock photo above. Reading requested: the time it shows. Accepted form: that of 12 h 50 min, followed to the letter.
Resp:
10 h 07 min
